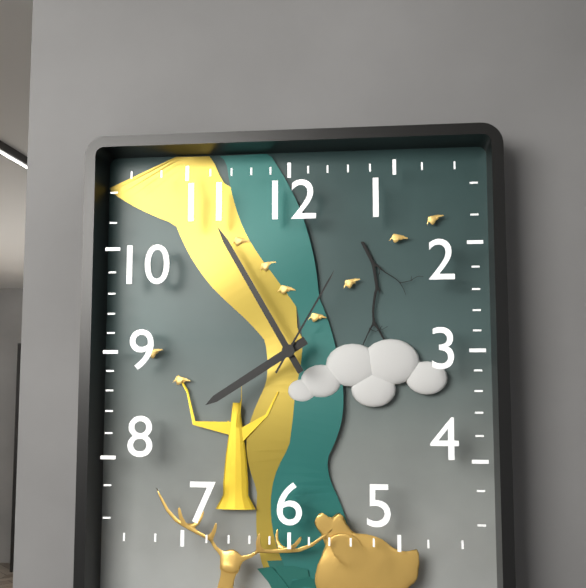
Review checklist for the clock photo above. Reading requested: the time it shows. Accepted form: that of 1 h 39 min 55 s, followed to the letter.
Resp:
7 h 55 min 05 s
